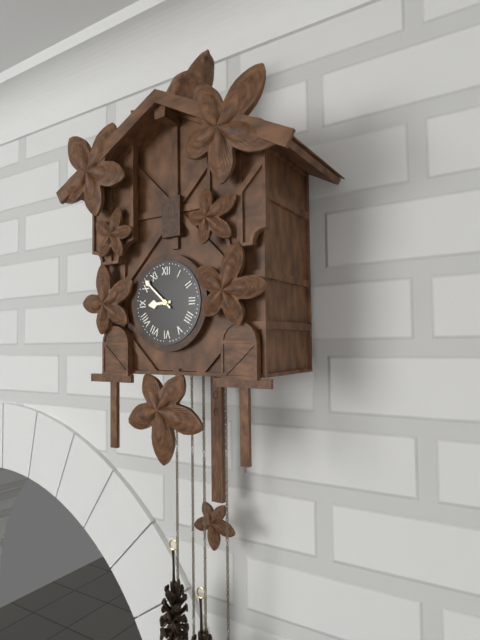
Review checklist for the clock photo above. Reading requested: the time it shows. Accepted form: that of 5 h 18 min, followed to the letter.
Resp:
8 h 52 min
